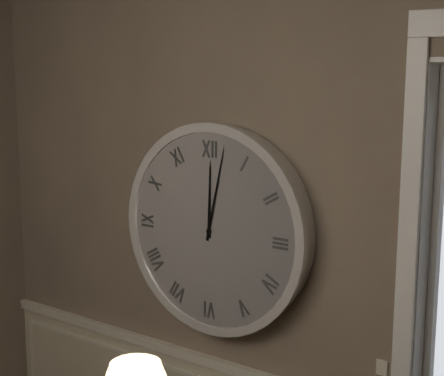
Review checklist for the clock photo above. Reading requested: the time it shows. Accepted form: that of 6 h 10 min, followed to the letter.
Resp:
12 h 02 min
